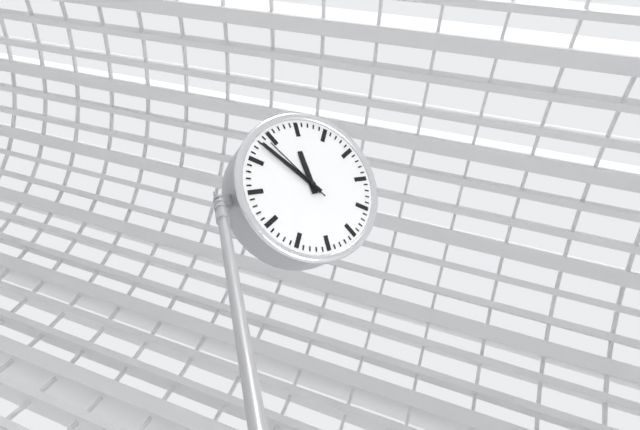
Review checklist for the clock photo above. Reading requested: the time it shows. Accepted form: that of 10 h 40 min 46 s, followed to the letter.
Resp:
10 h 48 min 49 s
